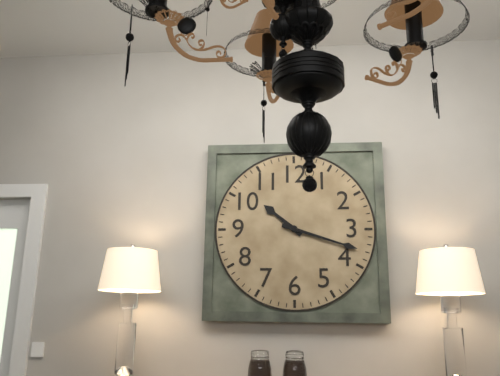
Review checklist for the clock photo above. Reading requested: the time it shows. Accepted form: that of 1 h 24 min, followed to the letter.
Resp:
10 h 18 min
